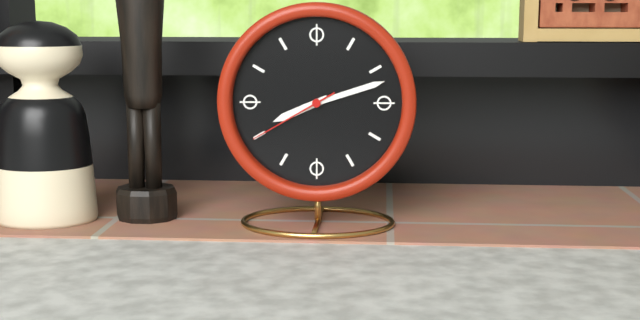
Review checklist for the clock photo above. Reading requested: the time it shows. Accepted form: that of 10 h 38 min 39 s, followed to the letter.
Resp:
8 h 12 min 40 s
